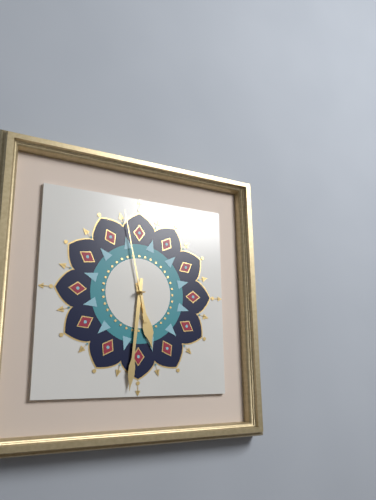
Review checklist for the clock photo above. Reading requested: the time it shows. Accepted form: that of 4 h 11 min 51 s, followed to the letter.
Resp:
5 h 31 min 58 s
